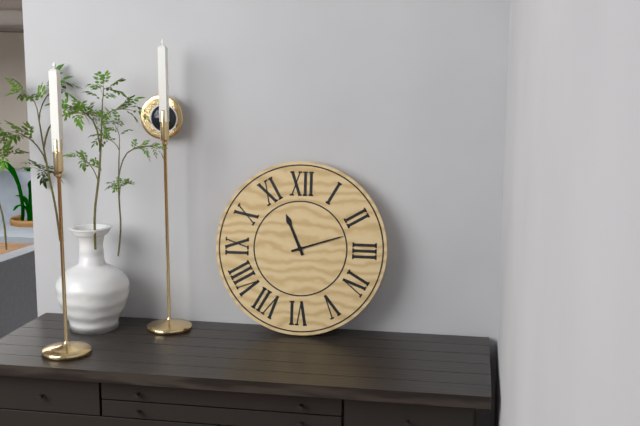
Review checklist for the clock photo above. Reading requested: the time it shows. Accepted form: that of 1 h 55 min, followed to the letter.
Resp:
11 h 12 min
